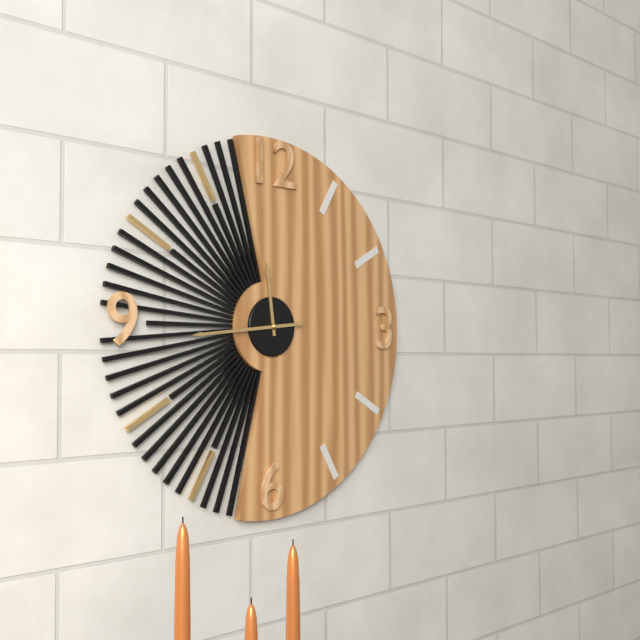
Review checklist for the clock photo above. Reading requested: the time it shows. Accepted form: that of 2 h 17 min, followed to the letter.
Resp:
11 h 44 min
